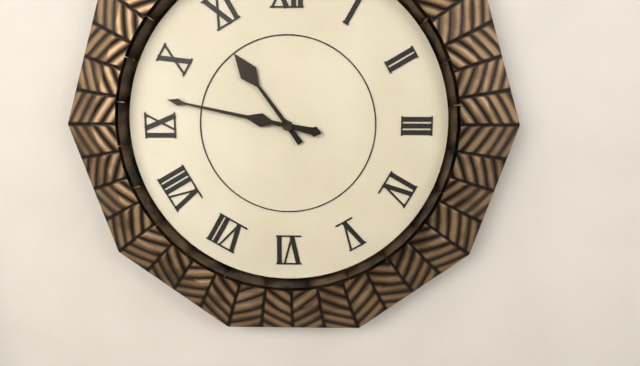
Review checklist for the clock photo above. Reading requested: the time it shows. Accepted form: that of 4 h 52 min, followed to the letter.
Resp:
10 h 47 min
